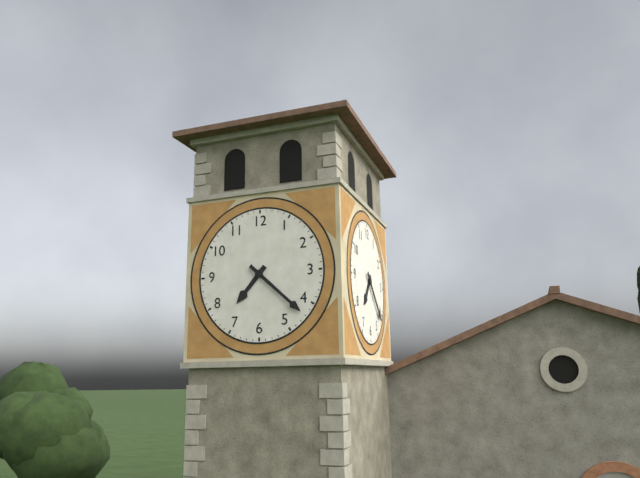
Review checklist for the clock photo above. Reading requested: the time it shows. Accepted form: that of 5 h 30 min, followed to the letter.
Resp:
7 h 22 min
